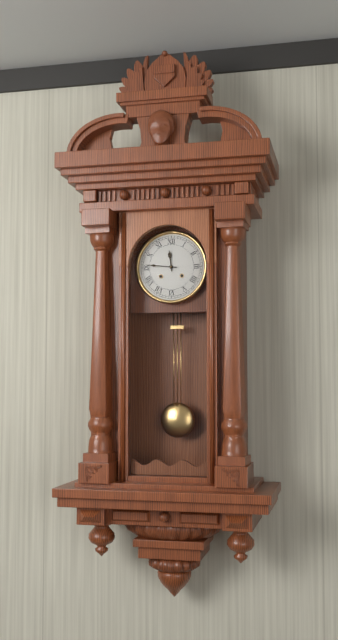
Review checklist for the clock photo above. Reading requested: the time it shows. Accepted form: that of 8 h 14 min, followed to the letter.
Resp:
11 h 46 min
